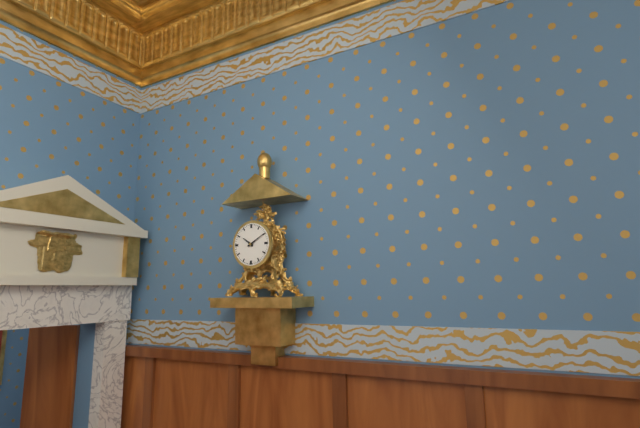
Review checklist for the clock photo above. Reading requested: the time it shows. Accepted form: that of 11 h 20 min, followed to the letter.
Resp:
10 h 10 min
